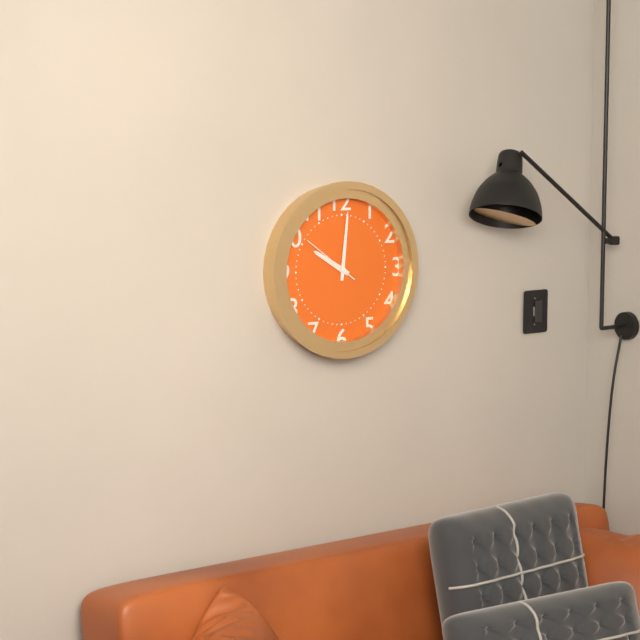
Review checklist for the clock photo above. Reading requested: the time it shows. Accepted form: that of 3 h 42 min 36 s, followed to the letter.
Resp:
10 h 01 min 51 s
